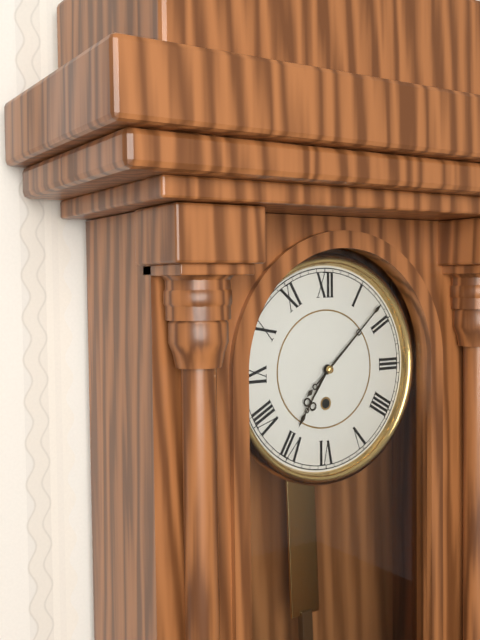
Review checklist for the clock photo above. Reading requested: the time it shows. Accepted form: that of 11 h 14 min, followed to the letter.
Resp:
7 h 08 min
